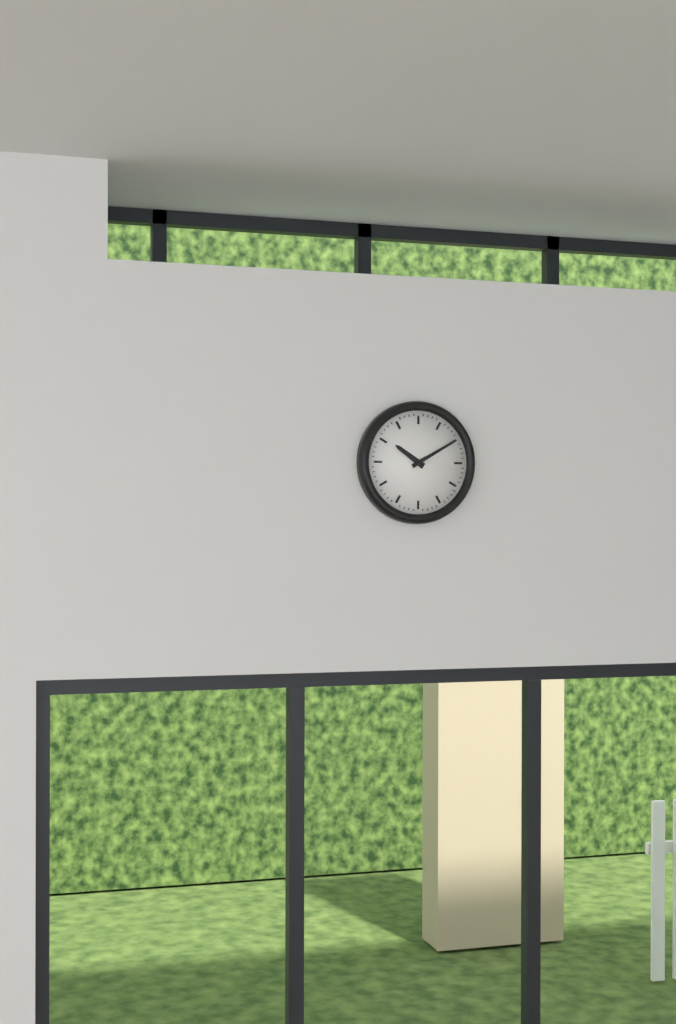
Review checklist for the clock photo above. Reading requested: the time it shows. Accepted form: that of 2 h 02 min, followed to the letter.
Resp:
10 h 10 min
